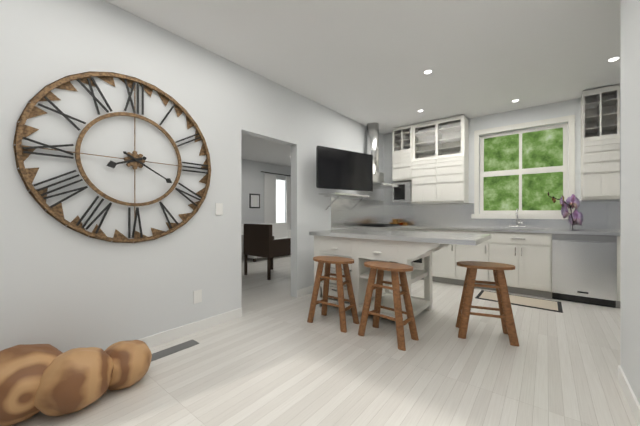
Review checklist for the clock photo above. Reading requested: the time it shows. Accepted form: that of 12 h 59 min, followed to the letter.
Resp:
8 h 20 min
